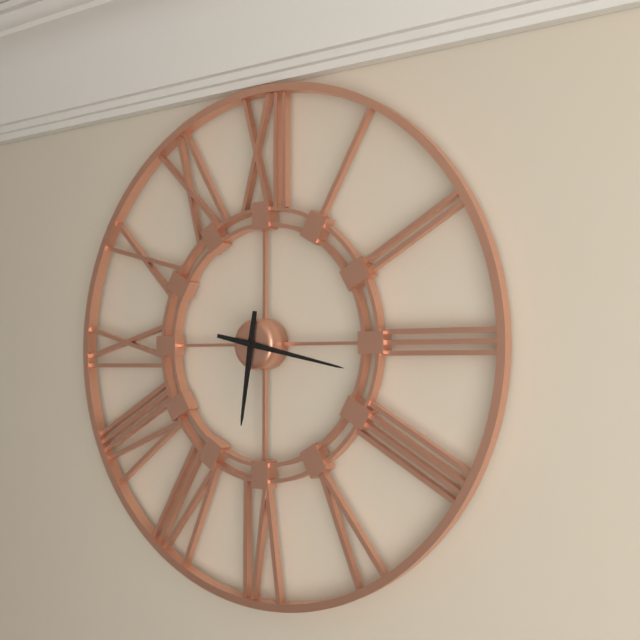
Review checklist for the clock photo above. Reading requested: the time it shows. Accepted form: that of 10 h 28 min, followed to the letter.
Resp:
6 h 17 min
